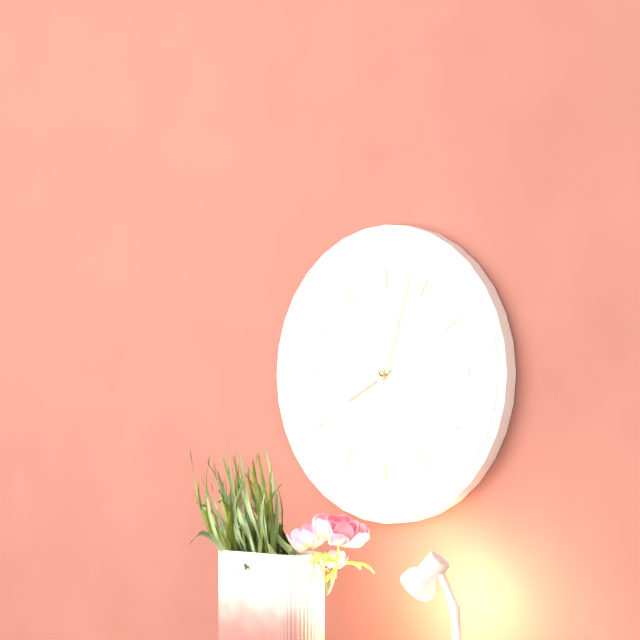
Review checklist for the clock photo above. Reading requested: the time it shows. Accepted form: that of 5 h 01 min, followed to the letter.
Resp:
8 h 03 min
